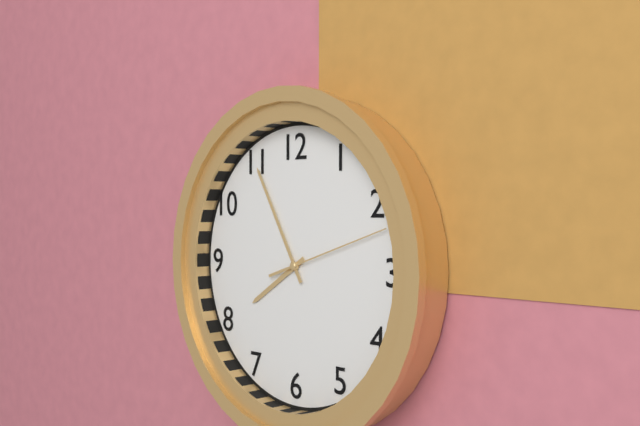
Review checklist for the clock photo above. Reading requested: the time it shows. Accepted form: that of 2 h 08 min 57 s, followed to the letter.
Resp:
7 h 55 min 12 s
